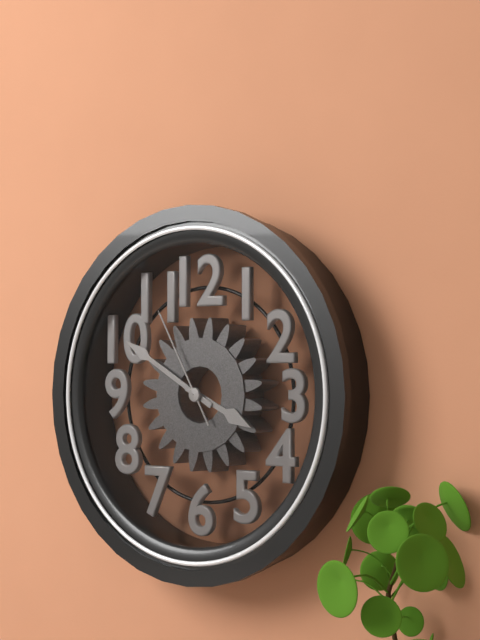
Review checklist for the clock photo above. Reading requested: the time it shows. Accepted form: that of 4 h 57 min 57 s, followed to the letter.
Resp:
3 h 50 min 55 s
